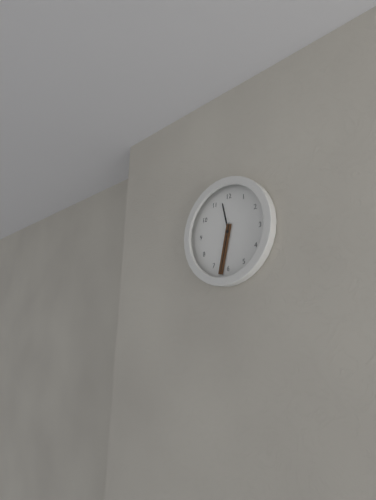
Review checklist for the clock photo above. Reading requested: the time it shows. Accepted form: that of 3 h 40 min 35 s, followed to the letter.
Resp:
11 h 32 min 32 s
